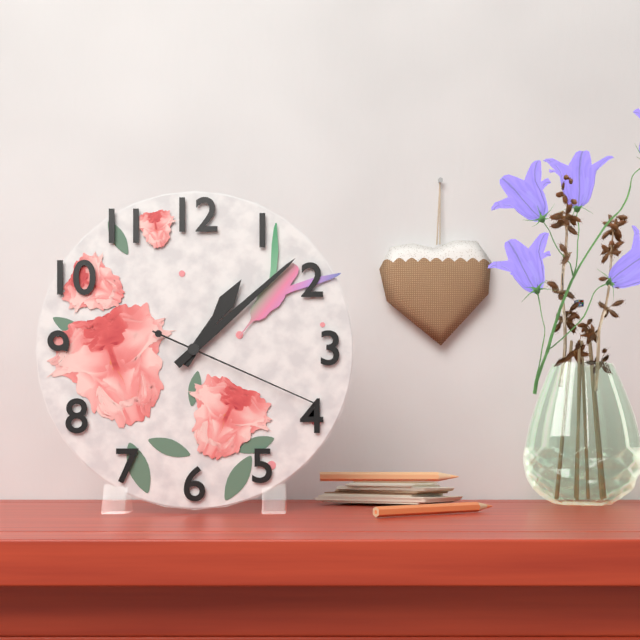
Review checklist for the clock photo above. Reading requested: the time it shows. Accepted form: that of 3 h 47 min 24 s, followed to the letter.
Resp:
1 h 08 min 19 s
